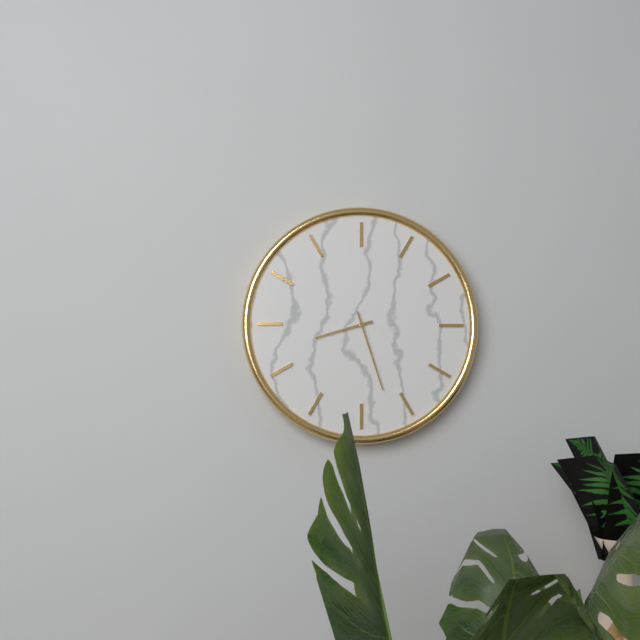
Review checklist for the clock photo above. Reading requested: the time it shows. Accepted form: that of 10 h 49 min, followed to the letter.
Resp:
8 h 27 min
